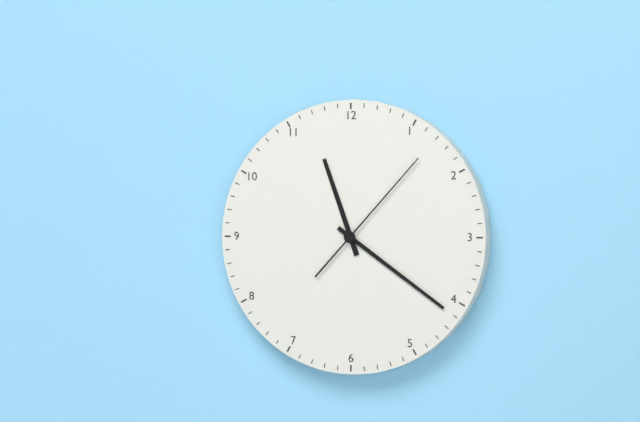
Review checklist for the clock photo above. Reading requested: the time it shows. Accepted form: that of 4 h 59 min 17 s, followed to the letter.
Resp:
11 h 21 min 07 s
